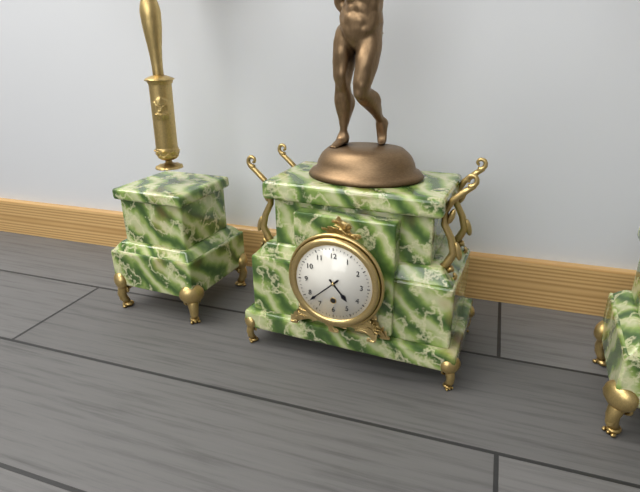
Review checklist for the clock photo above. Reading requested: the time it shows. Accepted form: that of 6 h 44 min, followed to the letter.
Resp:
4 h 38 min
